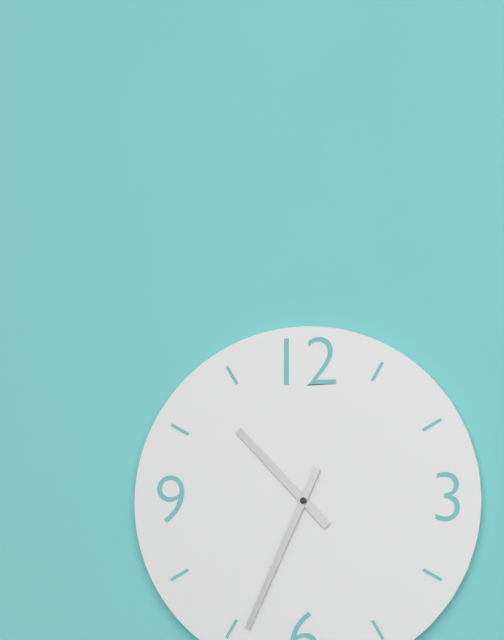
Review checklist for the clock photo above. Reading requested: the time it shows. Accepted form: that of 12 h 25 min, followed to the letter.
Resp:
10 h 34 min
